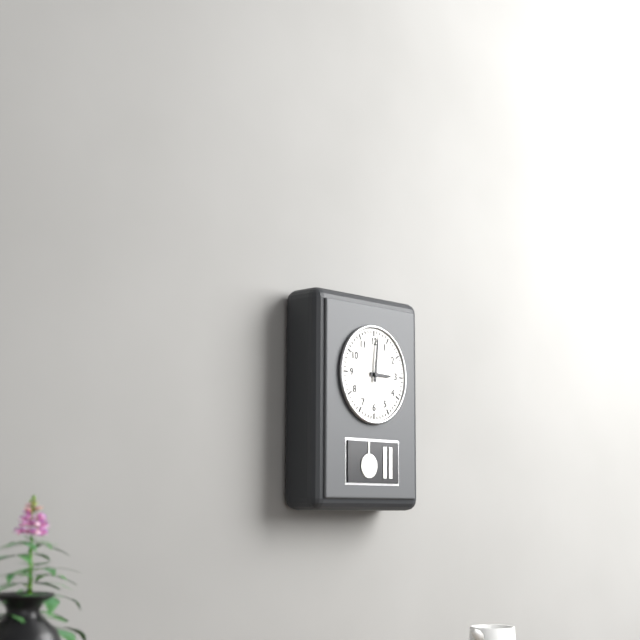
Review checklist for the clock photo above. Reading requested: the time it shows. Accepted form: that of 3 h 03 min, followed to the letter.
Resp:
3 h 01 min
